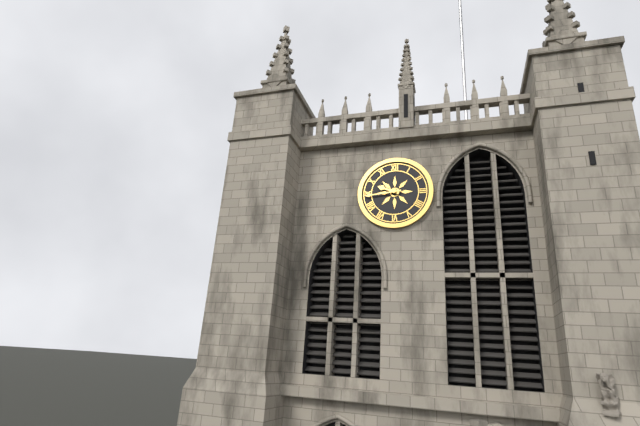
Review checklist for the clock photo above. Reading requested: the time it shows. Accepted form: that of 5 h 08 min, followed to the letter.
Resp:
9 h 44 min
